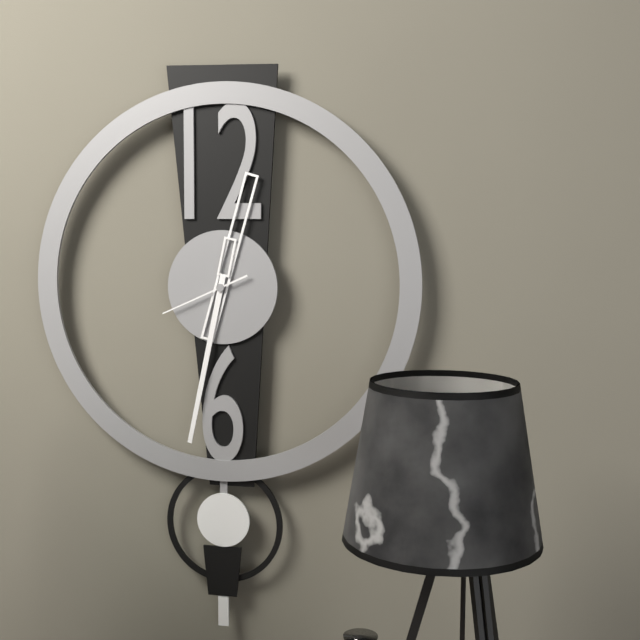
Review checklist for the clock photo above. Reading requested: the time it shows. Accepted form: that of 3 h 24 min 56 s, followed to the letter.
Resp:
12 h 32 min 41 s
